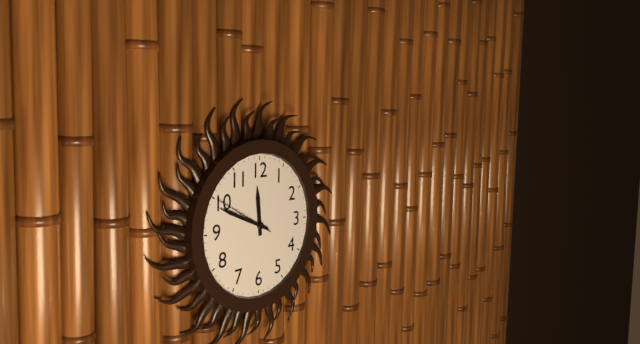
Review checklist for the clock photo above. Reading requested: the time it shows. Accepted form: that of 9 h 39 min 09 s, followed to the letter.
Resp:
11 h 49 min 50 s
